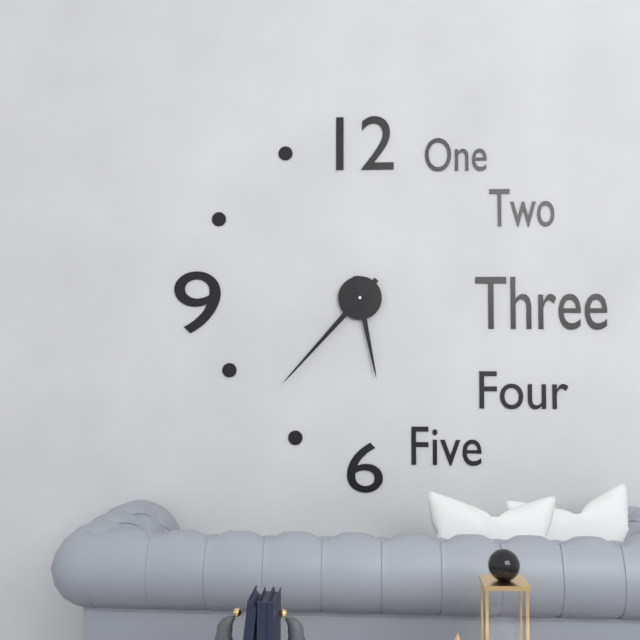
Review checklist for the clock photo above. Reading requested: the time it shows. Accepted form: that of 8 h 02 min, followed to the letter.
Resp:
5 h 37 min
